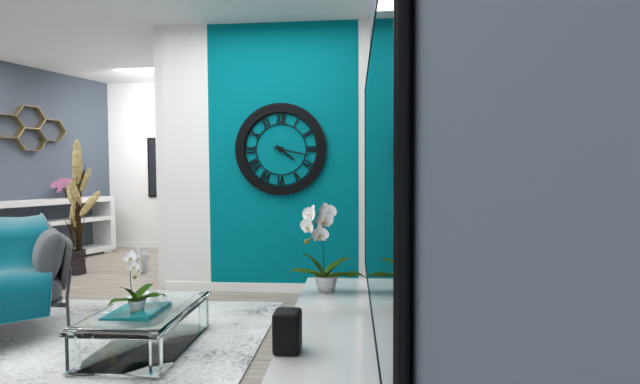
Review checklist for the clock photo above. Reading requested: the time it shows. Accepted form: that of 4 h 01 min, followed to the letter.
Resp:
4 h 17 min
